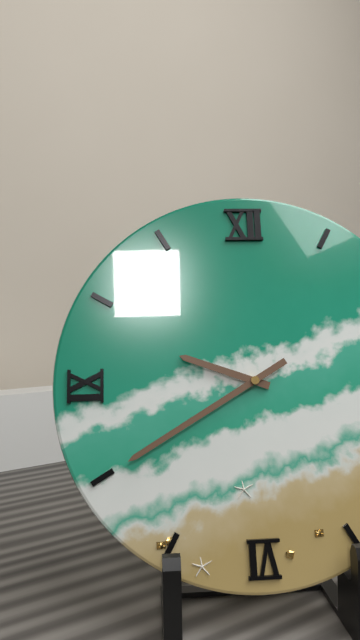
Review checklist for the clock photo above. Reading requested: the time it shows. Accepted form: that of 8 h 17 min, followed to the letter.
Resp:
9 h 40 min
